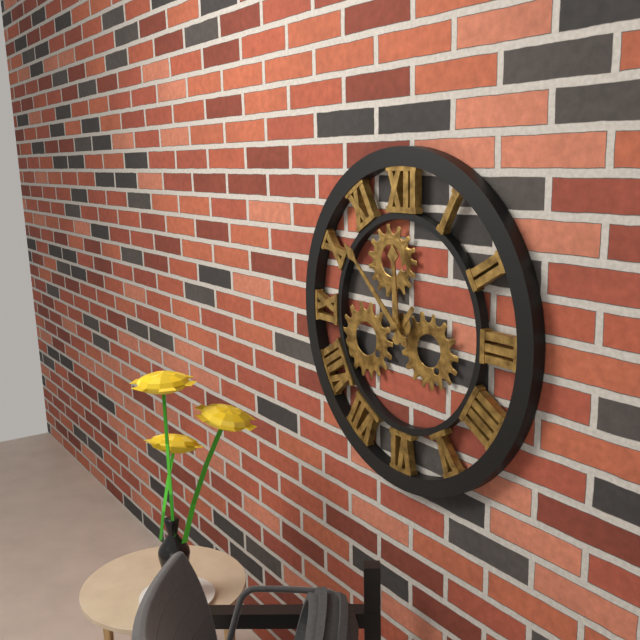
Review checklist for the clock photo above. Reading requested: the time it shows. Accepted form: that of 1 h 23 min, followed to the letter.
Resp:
11 h 52 min
